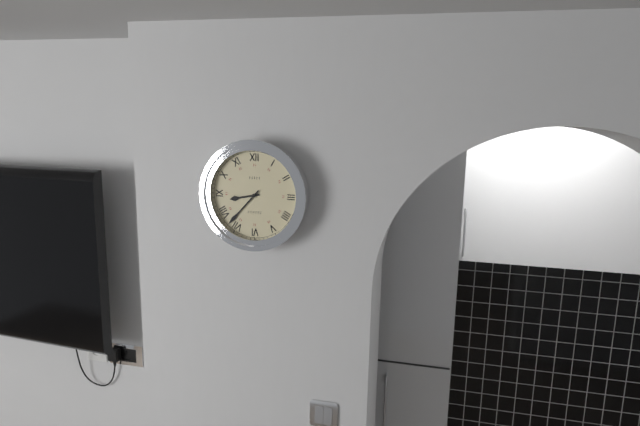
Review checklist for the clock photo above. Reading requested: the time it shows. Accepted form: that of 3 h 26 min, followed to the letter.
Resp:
8 h 37 min
